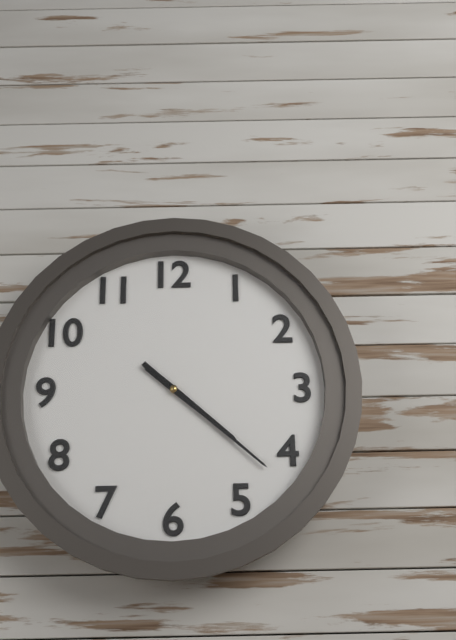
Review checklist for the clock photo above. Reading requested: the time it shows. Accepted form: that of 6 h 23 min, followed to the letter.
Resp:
4 h 22 min
